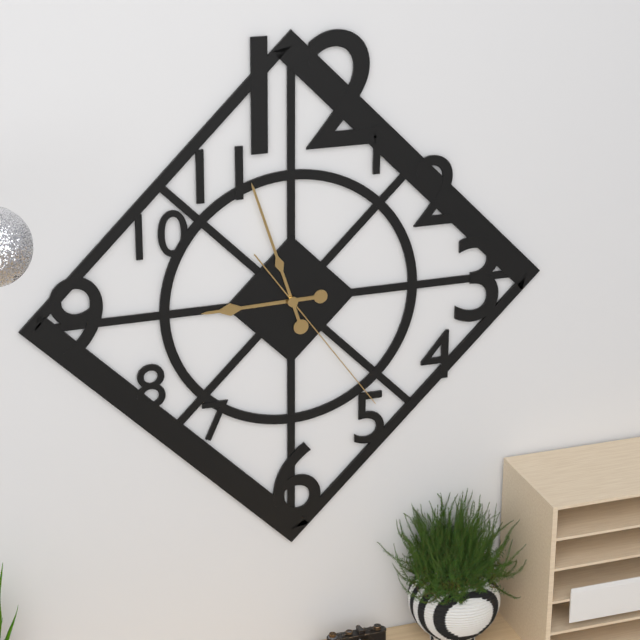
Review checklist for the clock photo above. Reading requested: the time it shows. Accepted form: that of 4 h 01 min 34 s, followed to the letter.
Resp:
8 h 57 min 24 s
